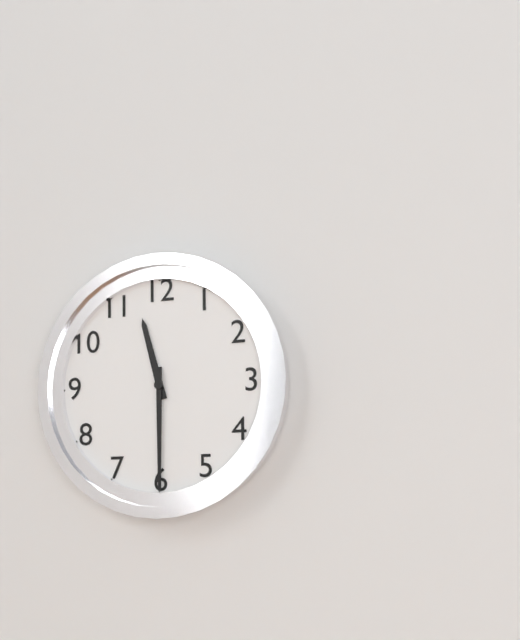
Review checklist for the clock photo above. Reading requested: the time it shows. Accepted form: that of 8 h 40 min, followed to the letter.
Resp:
11 h 30 min
